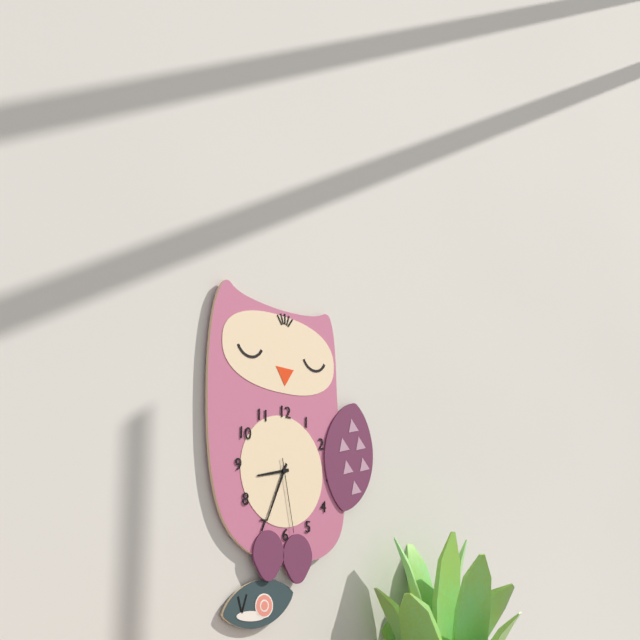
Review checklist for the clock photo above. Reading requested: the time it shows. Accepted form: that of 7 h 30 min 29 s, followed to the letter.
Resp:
8 h 34 min 28 s
